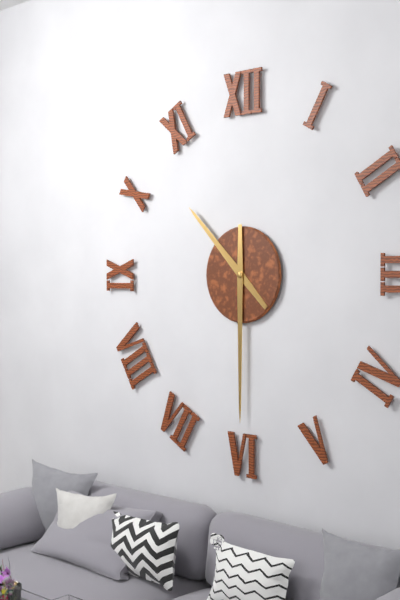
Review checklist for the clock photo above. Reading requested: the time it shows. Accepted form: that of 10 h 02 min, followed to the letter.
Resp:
10 h 30 min
